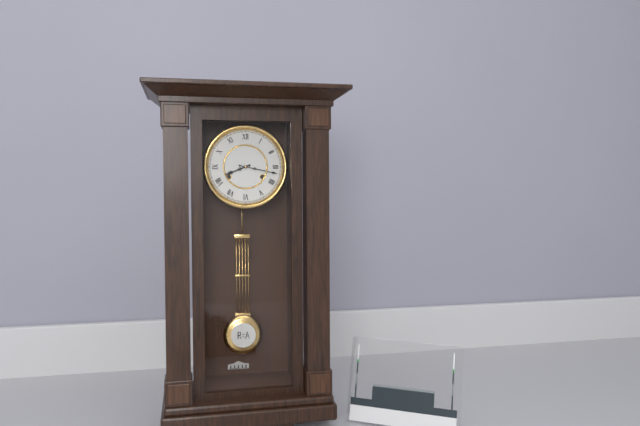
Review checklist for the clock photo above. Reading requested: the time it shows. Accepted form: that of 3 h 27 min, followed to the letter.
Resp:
8 h 17 min
